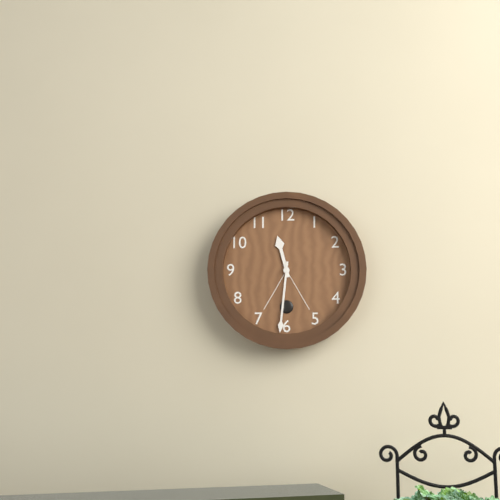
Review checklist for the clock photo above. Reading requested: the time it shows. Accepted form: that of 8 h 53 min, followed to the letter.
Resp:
11 h 31 min
